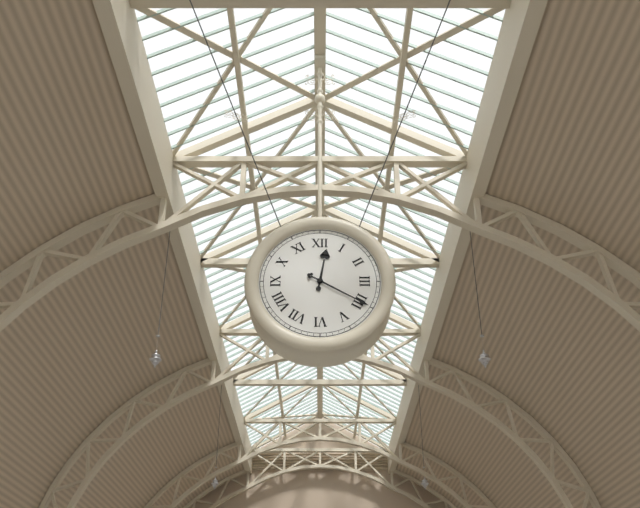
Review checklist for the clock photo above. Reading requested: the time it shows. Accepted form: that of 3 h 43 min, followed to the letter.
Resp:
12 h 20 min
